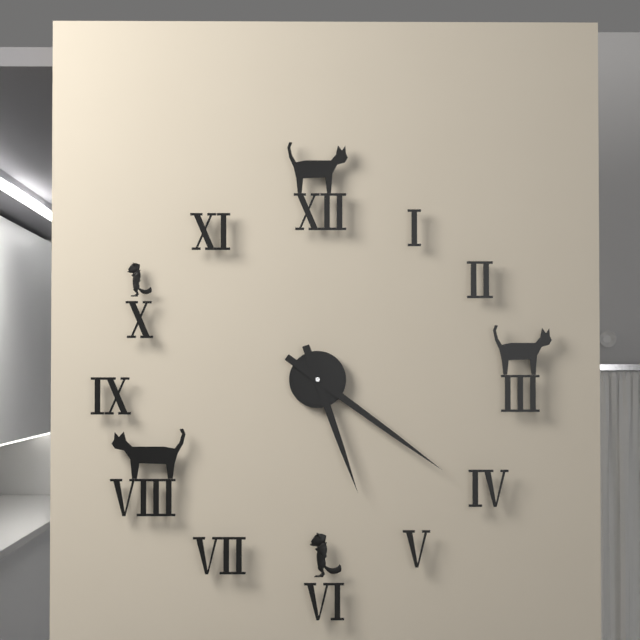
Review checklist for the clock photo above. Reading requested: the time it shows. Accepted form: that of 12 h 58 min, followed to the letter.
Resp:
5 h 21 min
